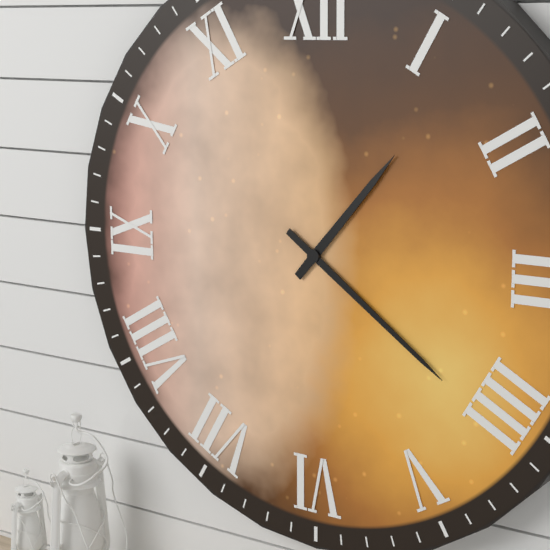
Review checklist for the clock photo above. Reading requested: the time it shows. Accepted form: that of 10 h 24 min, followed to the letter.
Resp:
1 h 21 min
